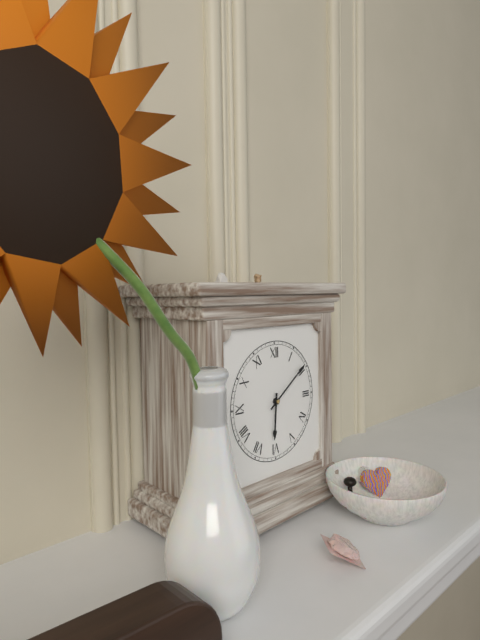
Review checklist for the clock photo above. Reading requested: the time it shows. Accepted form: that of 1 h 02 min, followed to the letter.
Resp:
6 h 09 min
